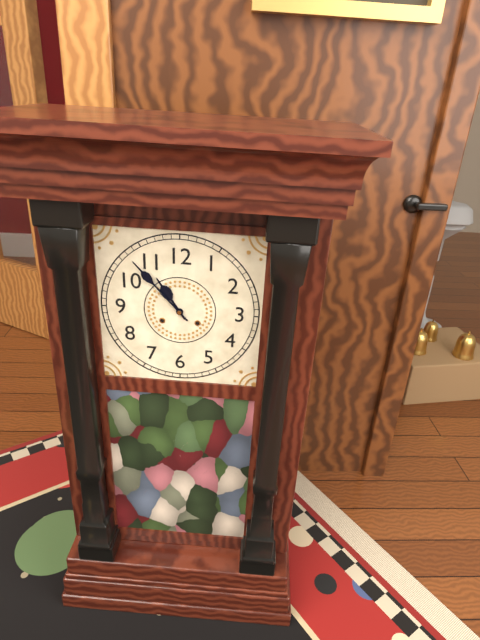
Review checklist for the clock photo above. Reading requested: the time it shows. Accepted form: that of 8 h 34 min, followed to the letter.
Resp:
10 h 53 min
